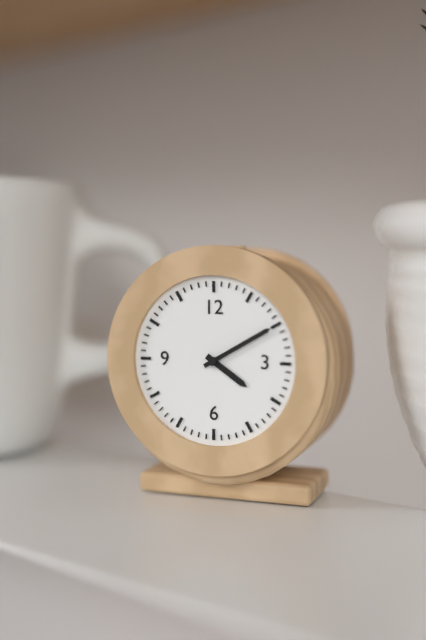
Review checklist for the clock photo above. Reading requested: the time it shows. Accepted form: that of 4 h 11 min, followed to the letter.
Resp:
4 h 10 min
